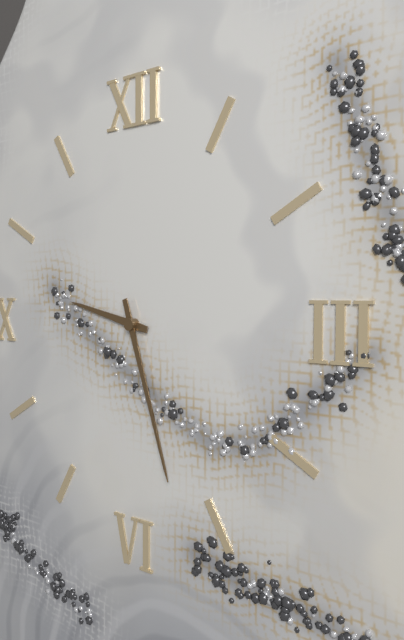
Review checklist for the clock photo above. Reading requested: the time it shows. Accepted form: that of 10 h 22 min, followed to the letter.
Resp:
9 h 27 min
